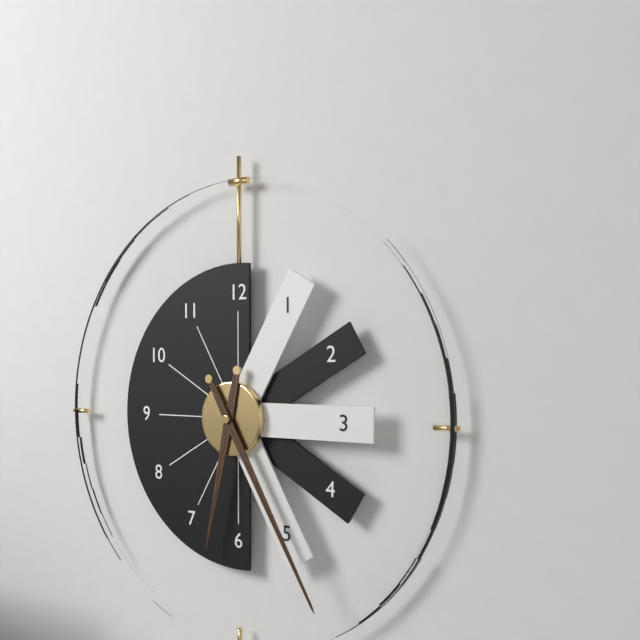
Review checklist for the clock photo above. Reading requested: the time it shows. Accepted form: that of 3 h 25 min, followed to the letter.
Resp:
6 h 25 min
